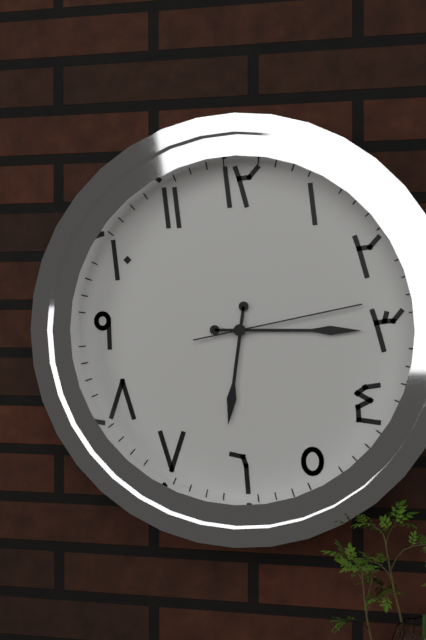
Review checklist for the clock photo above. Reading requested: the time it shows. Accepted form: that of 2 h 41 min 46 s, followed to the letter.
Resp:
6 h 15 min 13 s
